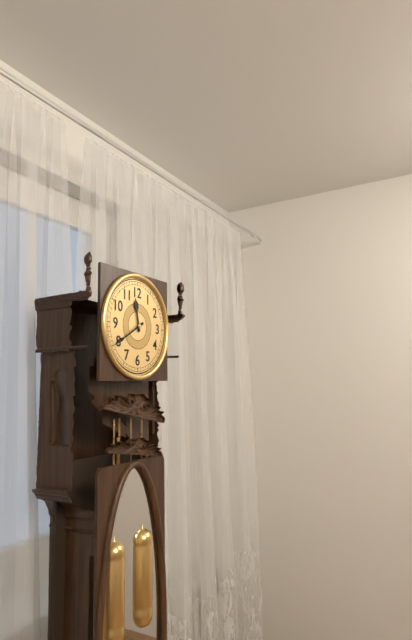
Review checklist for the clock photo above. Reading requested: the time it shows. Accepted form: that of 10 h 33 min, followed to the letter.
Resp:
11 h 40 min
